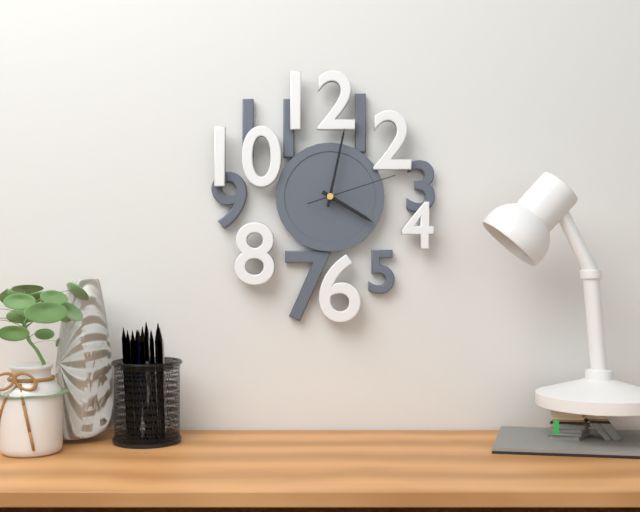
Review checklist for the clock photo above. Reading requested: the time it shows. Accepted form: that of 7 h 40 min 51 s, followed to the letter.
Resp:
4 h 02 min 12 s
